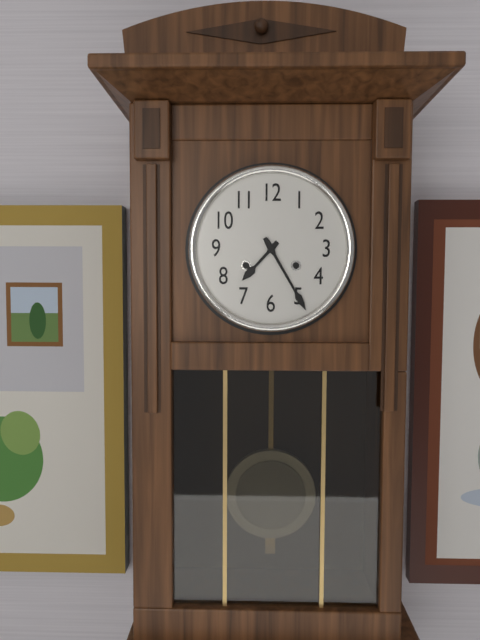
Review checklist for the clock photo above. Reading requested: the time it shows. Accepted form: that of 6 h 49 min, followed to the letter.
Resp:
7 h 25 min
